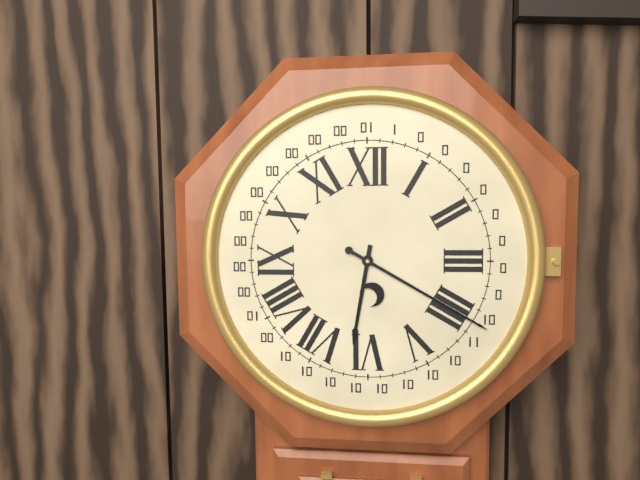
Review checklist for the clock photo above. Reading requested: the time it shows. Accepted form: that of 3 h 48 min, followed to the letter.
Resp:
6 h 20 min
